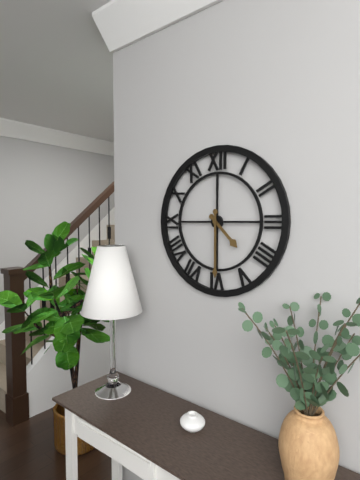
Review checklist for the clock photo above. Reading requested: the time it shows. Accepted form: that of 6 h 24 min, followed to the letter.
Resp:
4 h 30 min
